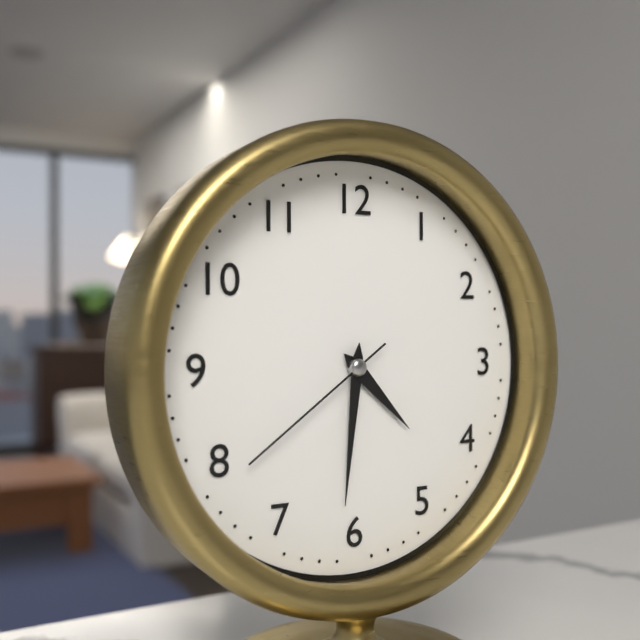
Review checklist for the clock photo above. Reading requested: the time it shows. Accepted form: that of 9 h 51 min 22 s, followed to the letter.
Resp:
4 h 31 min 39 s
